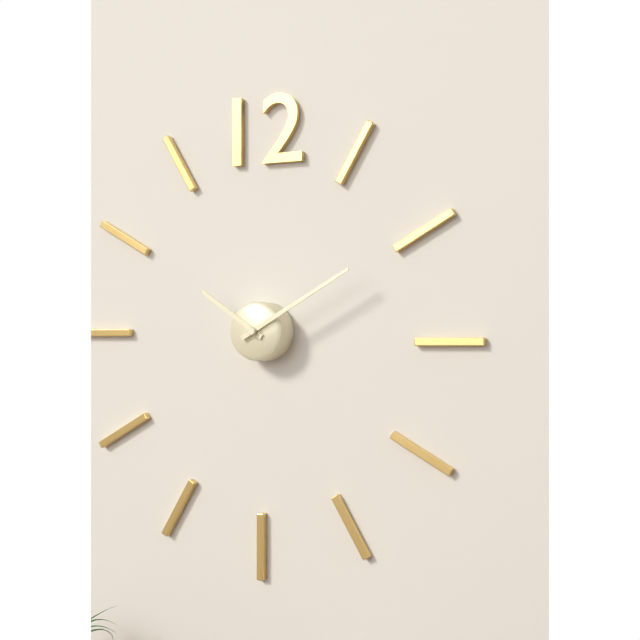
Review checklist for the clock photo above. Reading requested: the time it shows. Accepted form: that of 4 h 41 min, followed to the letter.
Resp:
10 h 10 min
